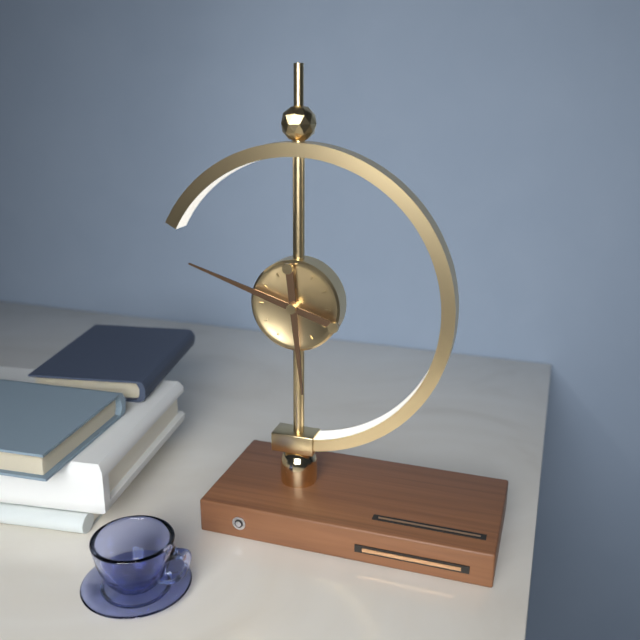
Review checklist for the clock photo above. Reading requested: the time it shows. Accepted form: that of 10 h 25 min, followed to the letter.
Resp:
5 h 48 min
